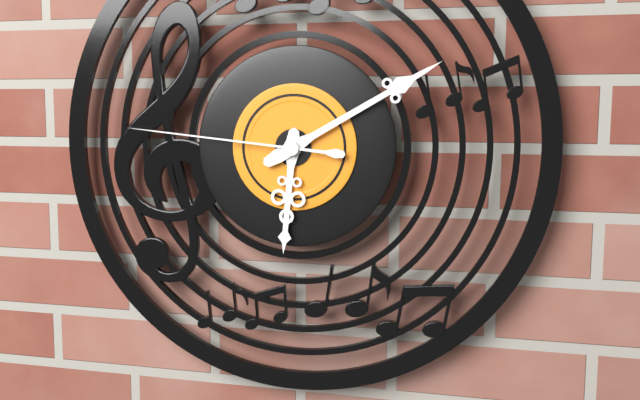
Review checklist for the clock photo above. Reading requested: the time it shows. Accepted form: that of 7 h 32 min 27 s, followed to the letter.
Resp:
6 h 10 min 46 s
